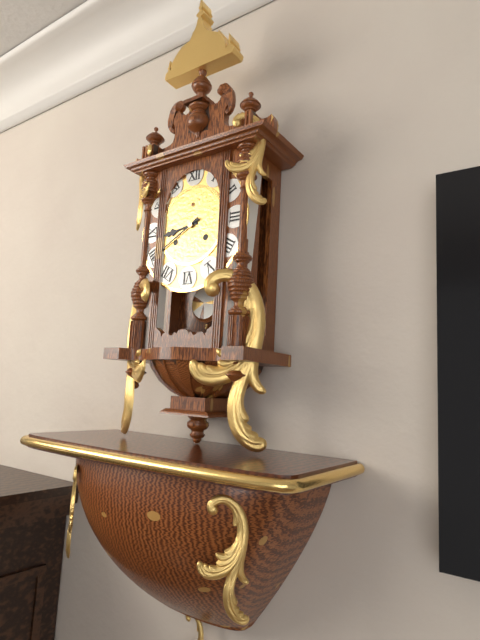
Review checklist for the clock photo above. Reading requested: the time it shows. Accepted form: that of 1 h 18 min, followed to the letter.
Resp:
8 h 40 min
